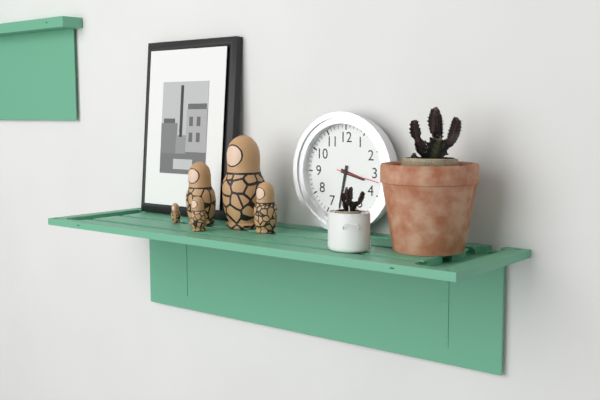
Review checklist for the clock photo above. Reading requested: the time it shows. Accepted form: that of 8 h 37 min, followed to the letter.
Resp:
3 h 32 min
